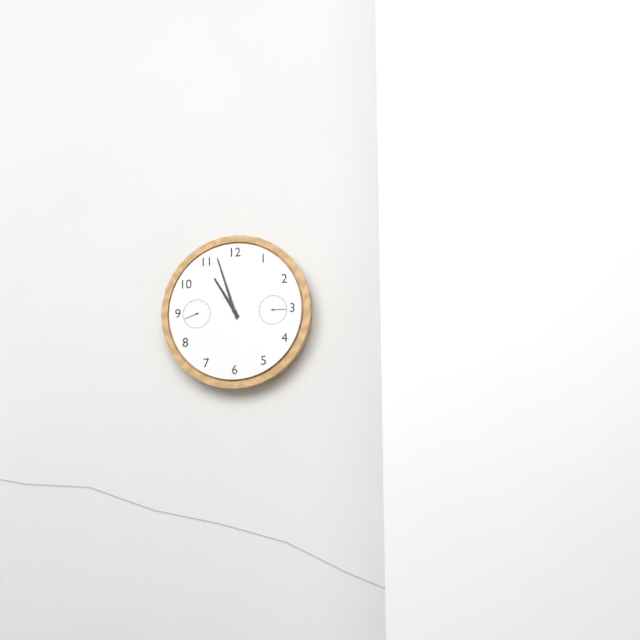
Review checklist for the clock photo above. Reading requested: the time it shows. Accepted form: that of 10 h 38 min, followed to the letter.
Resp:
10 h 57 min
